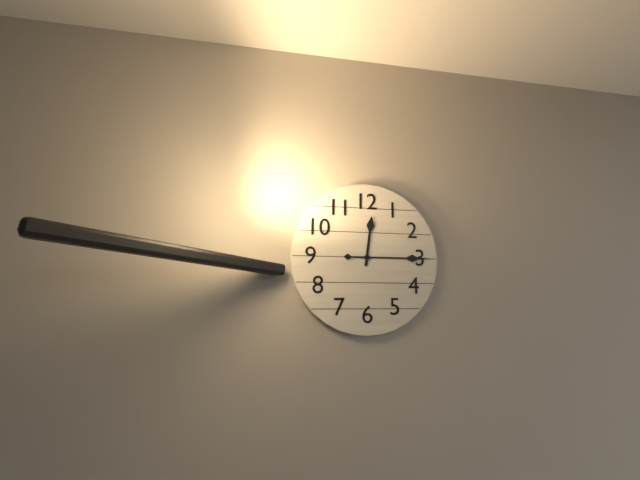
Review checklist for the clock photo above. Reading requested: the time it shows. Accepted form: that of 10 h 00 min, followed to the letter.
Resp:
12 h 15 min
